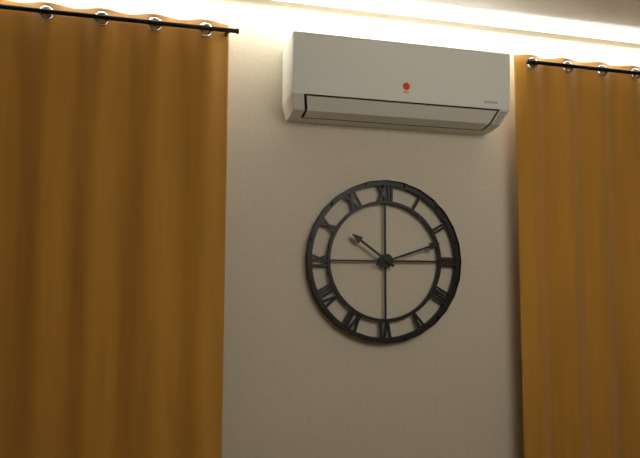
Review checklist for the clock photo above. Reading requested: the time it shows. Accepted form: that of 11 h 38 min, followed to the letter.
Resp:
10 h 12 min
